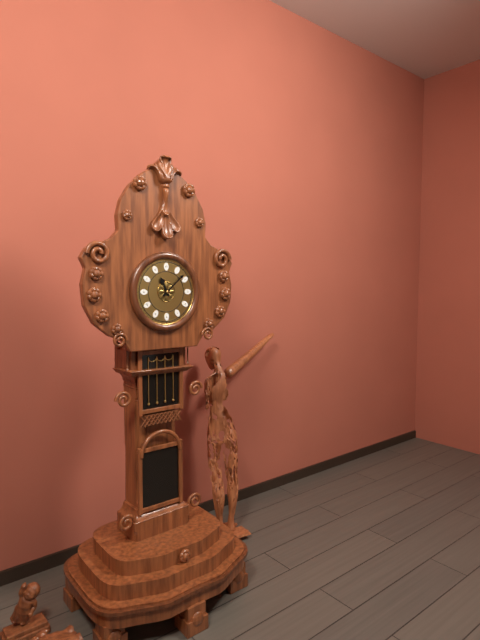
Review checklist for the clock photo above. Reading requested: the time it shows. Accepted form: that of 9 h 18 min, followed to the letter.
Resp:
11 h 08 min
